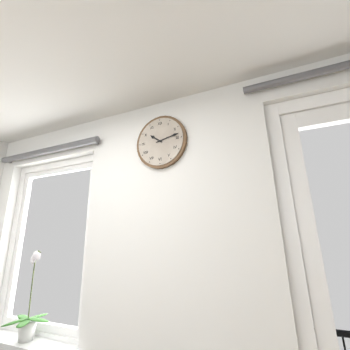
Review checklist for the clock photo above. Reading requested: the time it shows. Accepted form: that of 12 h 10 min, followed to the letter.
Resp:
10 h 13 min
